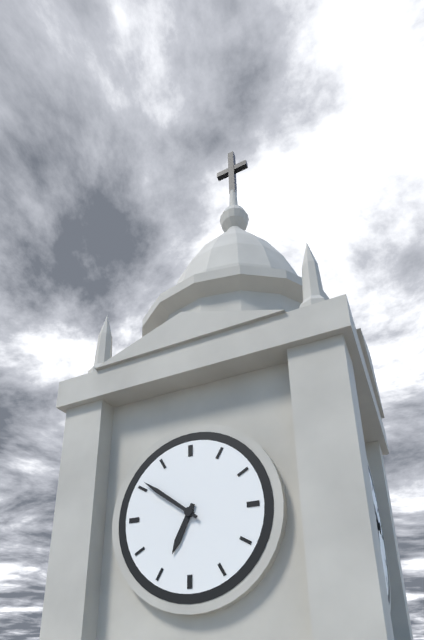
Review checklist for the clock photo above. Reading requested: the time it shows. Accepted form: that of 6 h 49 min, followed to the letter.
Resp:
6 h 51 min
